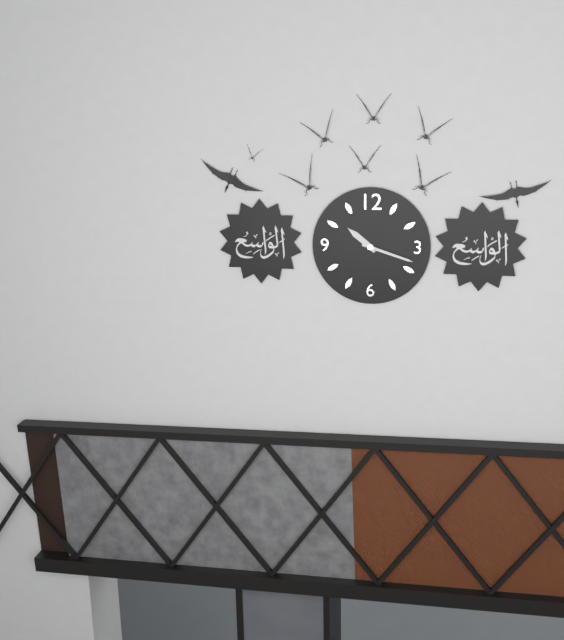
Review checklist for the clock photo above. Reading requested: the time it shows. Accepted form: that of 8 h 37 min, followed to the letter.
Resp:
10 h 18 min
